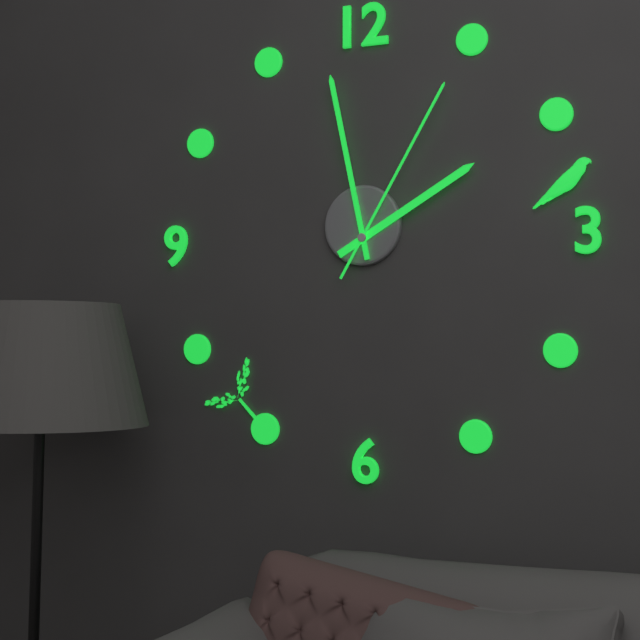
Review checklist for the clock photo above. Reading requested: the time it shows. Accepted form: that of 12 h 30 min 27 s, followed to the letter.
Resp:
1 h 58 min 05 s
